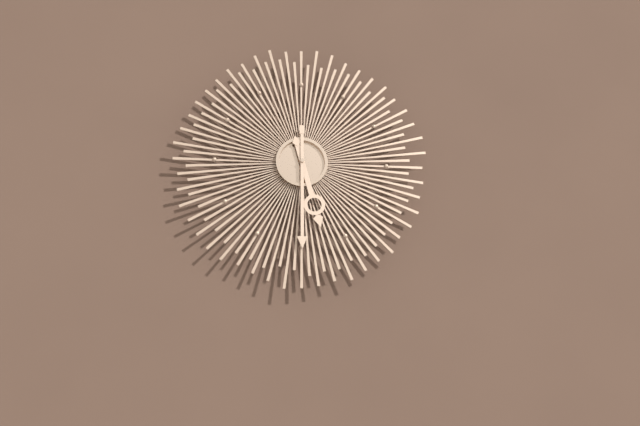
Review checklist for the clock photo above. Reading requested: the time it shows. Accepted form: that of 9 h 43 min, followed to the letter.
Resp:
5 h 30 min
